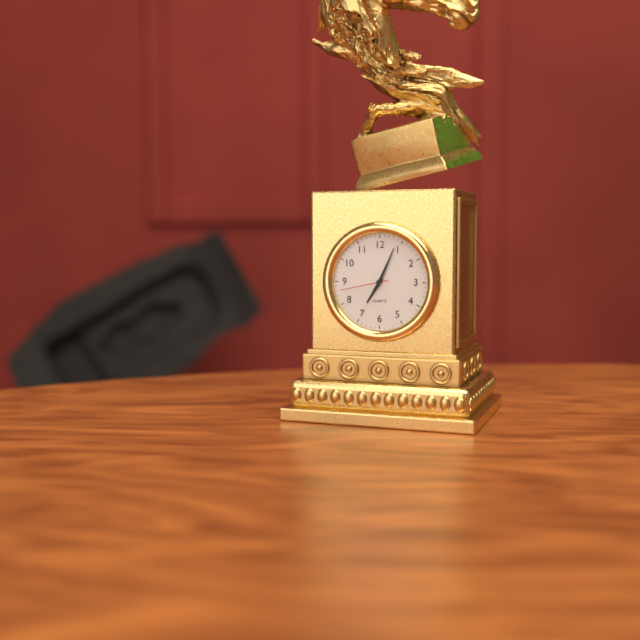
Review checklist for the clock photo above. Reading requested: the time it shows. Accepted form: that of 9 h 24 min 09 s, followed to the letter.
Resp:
7 h 04 min 43 s
